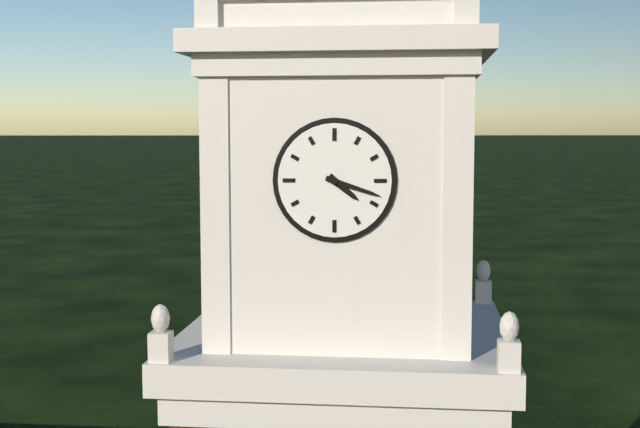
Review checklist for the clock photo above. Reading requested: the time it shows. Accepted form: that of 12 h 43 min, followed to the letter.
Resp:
4 h 18 min
